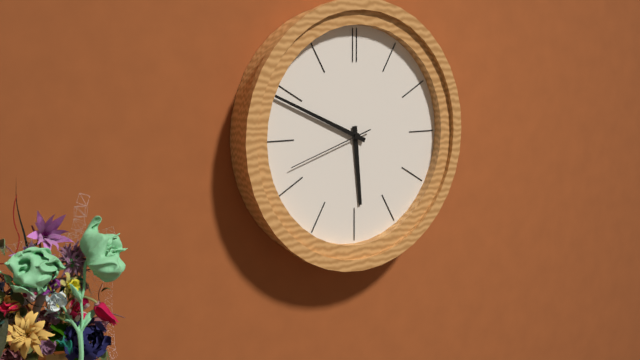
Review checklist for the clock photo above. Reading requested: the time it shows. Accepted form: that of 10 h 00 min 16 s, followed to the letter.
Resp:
5 h 49 min 42 s
